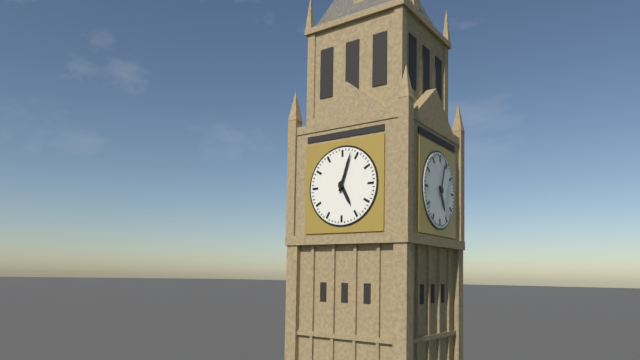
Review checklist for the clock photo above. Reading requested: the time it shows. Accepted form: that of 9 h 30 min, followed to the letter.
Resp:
5 h 03 min
